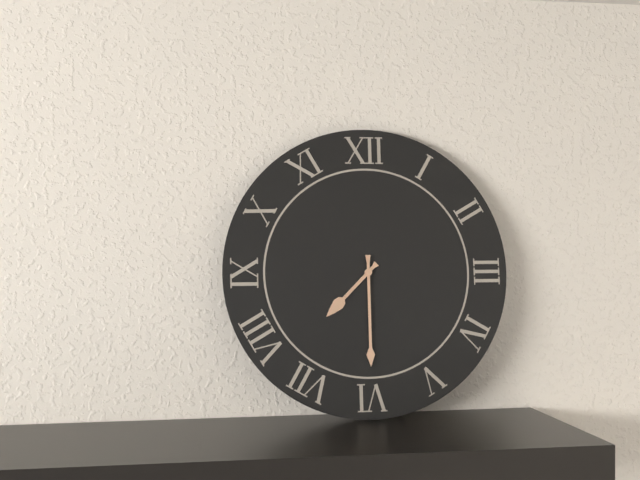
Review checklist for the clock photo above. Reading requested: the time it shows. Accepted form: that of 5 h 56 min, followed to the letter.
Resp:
7 h 30 min
